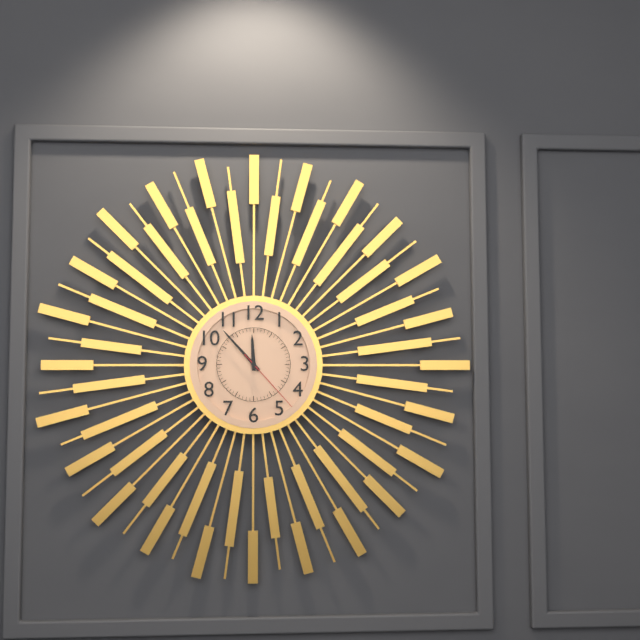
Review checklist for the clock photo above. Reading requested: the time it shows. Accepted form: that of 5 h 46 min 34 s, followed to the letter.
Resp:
11 h 53 min 23 s
